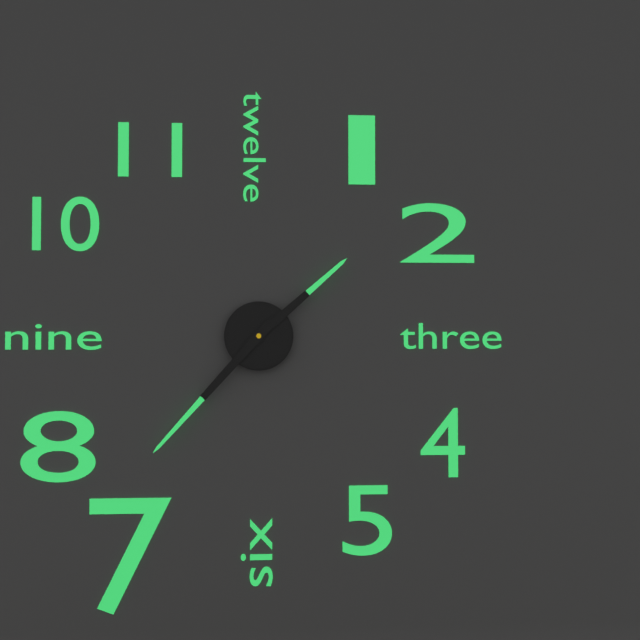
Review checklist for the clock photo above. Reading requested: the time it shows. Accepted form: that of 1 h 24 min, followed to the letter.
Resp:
1 h 37 min
